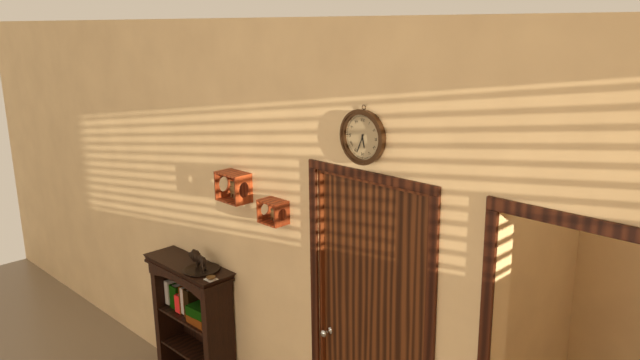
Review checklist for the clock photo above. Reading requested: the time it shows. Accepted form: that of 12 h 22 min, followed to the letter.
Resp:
5 h 34 min
